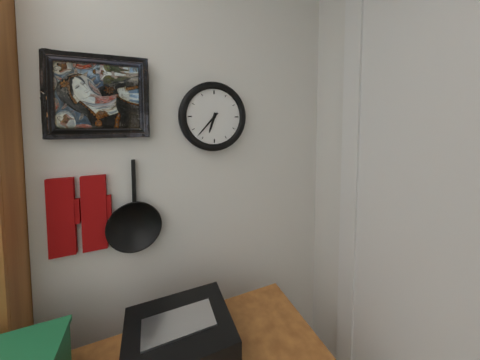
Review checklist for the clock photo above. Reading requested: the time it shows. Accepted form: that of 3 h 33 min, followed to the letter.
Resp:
6 h 37 min
